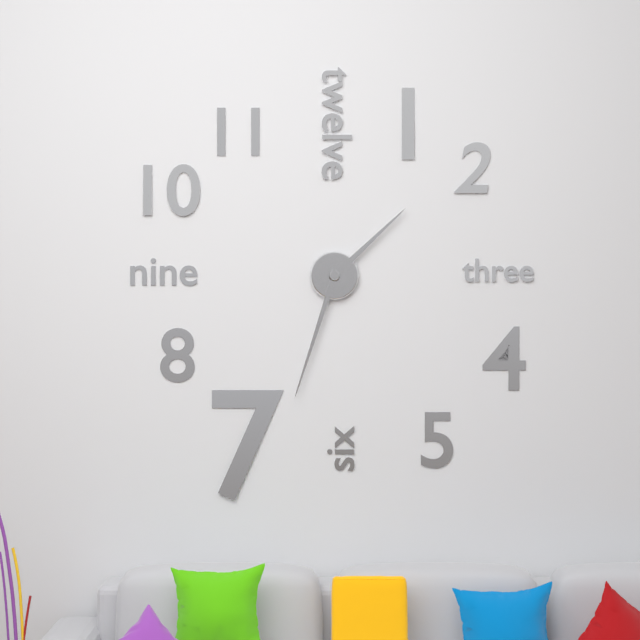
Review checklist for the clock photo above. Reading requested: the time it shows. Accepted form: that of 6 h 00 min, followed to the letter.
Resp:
1 h 33 min
